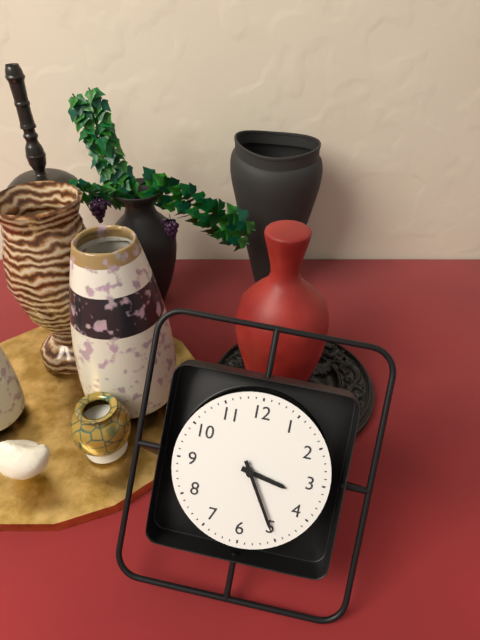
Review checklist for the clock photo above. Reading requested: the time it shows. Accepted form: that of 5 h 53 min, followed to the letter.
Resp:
3 h 25 min
